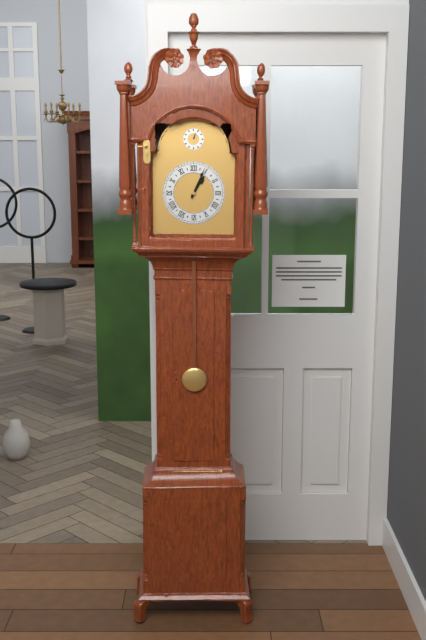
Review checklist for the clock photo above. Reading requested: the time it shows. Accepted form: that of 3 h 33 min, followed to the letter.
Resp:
1 h 04 min
